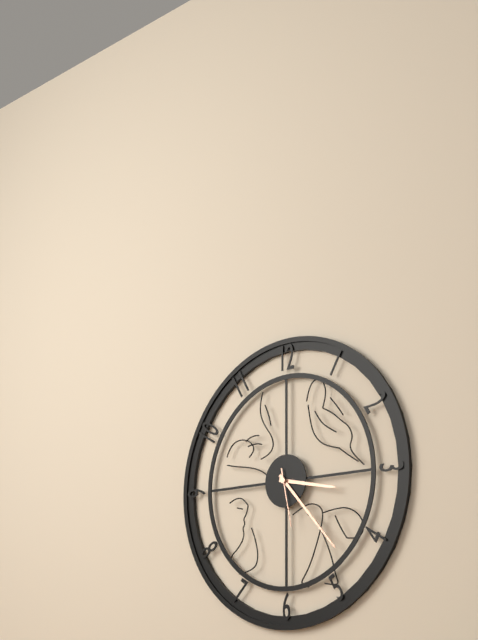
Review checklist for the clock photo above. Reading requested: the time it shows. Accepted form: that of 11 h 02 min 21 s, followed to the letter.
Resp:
3 h 23 min 28 s
